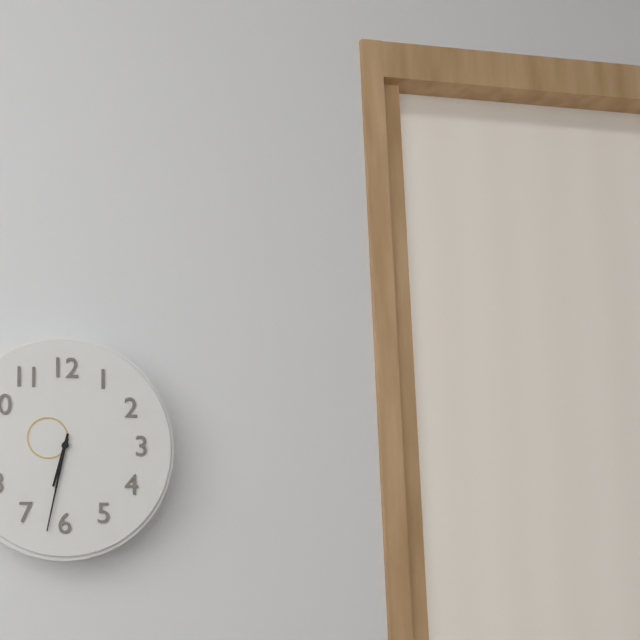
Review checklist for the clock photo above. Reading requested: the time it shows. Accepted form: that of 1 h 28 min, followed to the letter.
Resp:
6 h 32 min
